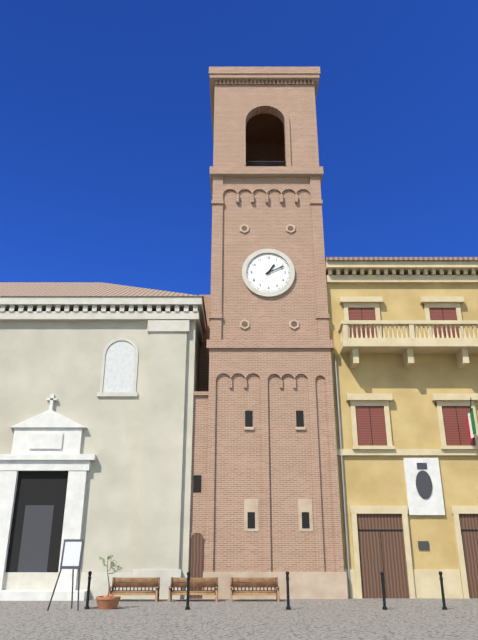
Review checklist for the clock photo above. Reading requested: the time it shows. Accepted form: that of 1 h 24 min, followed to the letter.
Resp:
1 h 11 min
